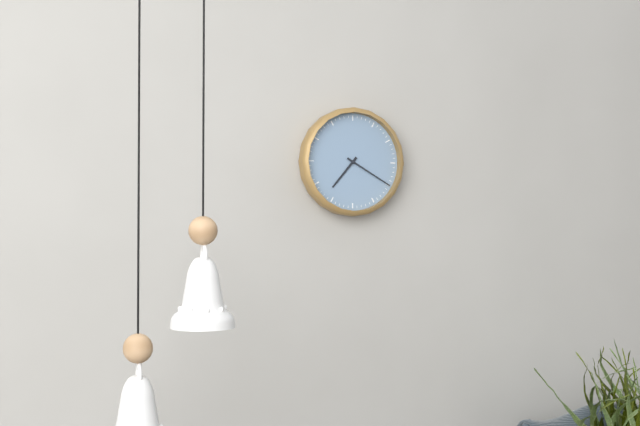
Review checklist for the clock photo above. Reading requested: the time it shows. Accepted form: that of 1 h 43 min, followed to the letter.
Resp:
7 h 20 min
